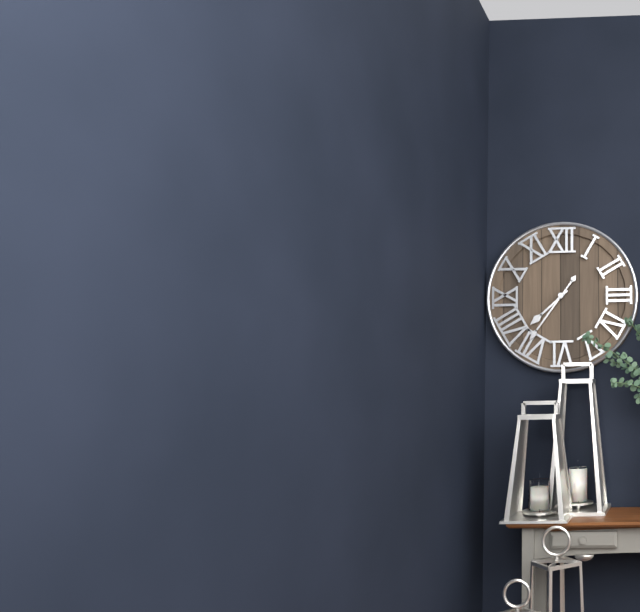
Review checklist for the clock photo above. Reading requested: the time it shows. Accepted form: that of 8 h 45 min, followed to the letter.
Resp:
7 h 36 min
